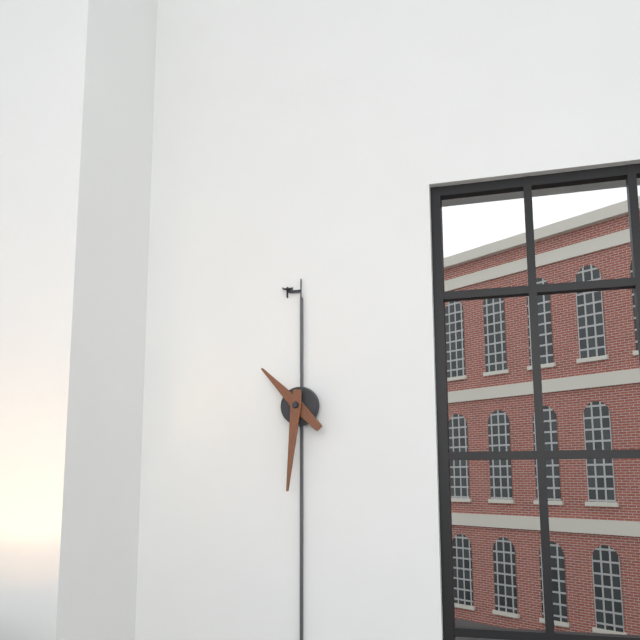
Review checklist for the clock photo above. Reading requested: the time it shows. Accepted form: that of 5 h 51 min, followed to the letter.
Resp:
10 h 31 min
